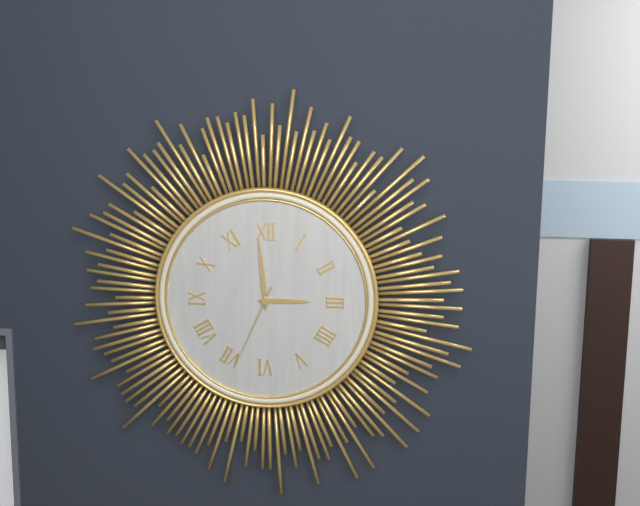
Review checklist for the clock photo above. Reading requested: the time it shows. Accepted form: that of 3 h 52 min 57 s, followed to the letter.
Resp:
2 h 59 min 34 s
